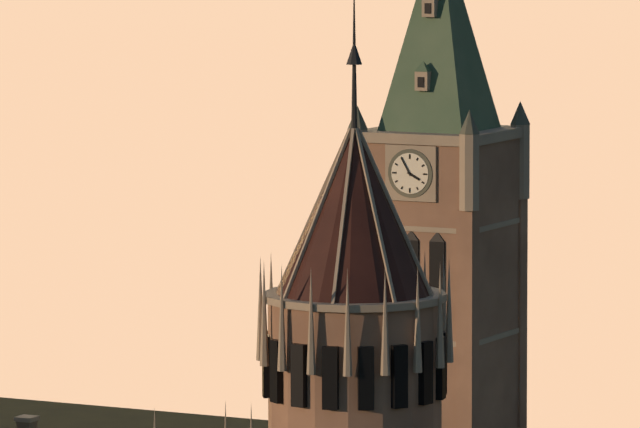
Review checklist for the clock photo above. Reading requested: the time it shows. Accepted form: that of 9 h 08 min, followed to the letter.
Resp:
3 h 55 min
